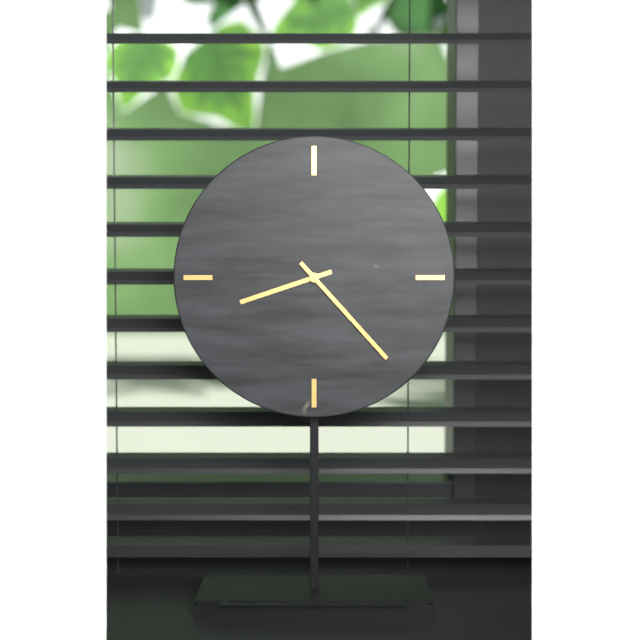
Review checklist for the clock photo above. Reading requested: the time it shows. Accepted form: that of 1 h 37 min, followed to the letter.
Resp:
8 h 23 min
